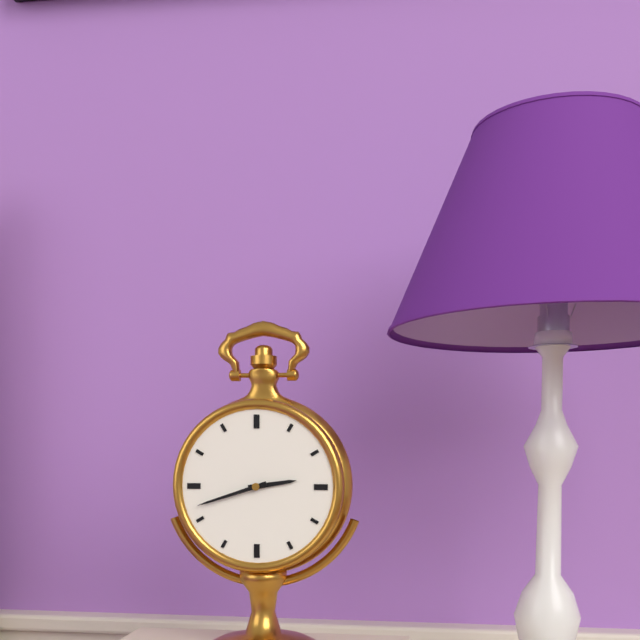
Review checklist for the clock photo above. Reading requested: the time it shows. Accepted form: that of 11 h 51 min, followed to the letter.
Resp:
2 h 42 min
